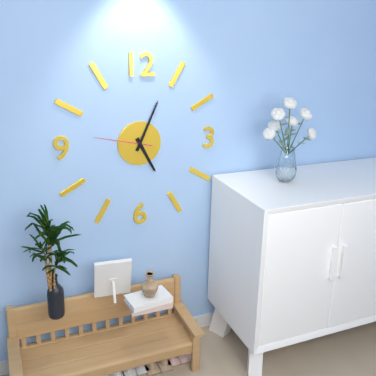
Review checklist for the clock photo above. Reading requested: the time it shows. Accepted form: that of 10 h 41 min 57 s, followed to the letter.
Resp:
5 h 04 min 47 s
